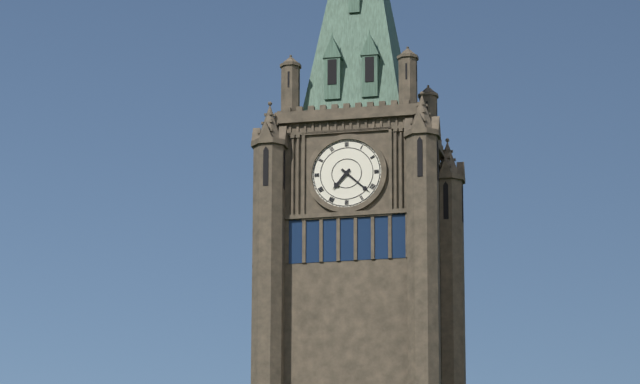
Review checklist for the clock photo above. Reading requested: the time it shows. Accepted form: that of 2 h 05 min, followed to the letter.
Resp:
7 h 22 min
